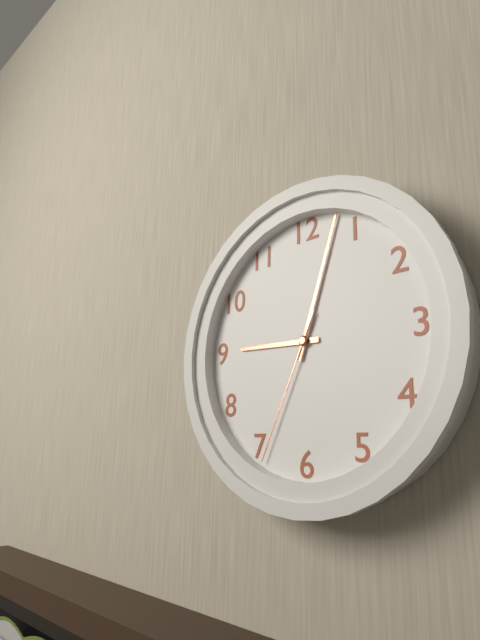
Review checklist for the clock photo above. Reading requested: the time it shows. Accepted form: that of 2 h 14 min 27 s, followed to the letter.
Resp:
9 h 03 min 34 s
